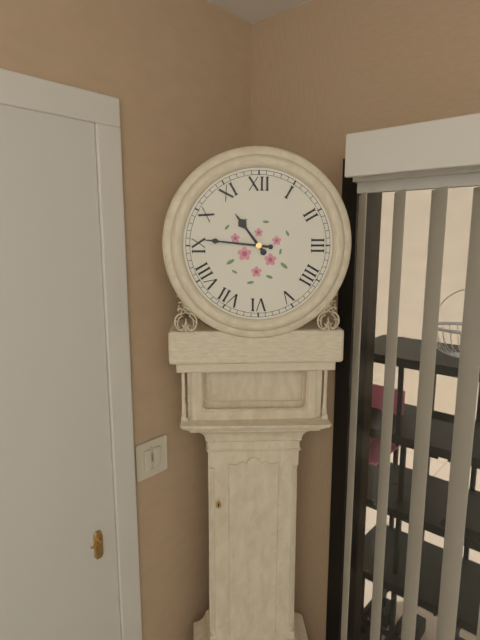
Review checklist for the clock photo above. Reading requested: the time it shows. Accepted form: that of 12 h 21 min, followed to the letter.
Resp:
10 h 46 min
